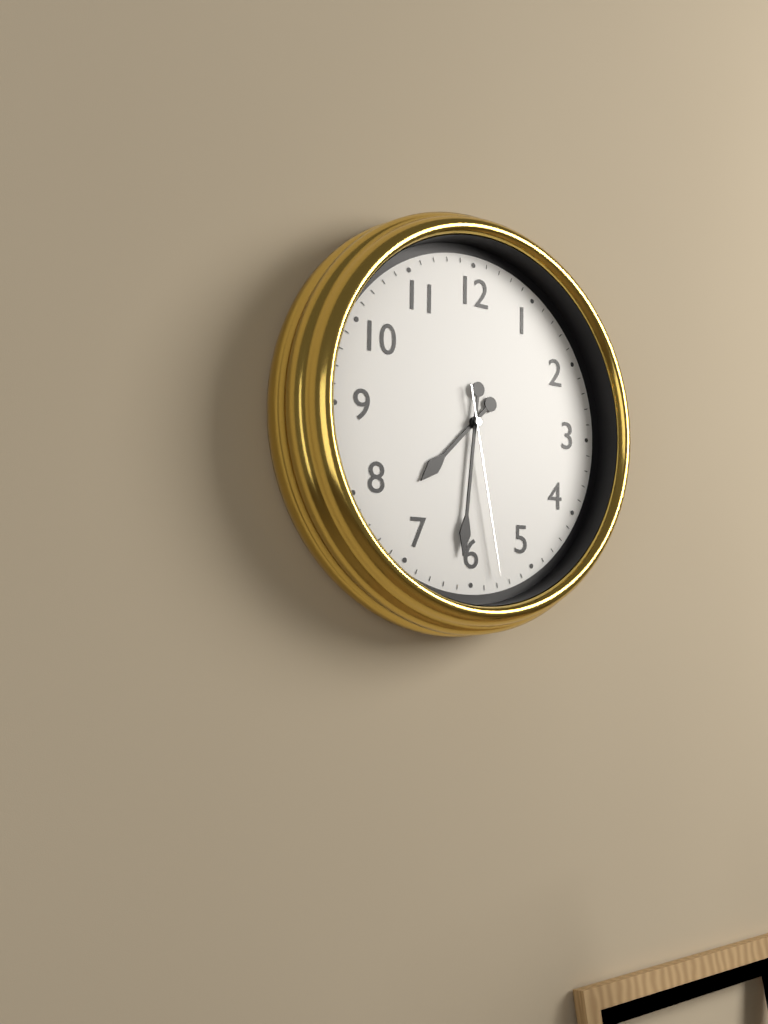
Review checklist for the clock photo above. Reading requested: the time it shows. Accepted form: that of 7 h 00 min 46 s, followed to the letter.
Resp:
7 h 31 min 28 s
